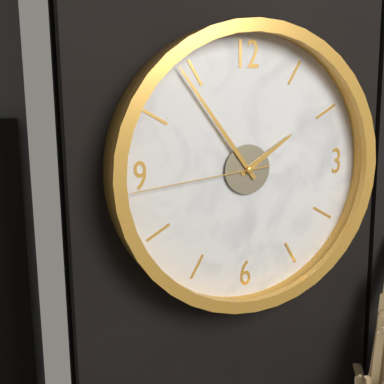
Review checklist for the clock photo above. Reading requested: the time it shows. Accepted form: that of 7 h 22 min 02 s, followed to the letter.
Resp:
1 h 54 min 44 s
